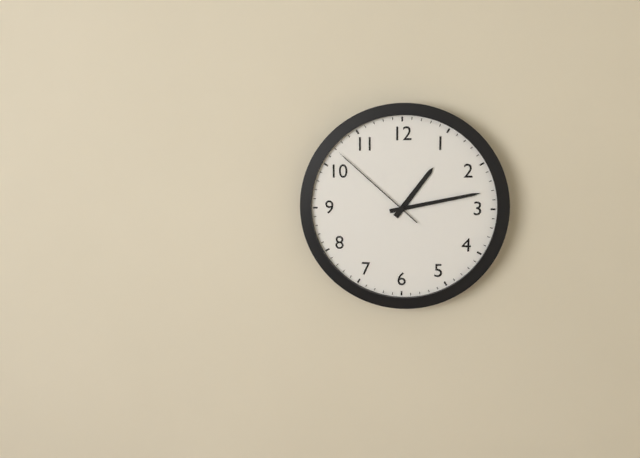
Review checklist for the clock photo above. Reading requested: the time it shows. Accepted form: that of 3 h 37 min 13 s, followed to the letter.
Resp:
1 h 13 min 52 s
